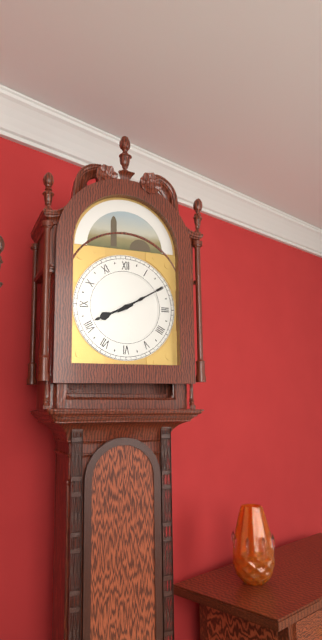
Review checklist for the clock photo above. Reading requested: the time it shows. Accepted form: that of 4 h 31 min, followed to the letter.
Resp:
8 h 10 min
